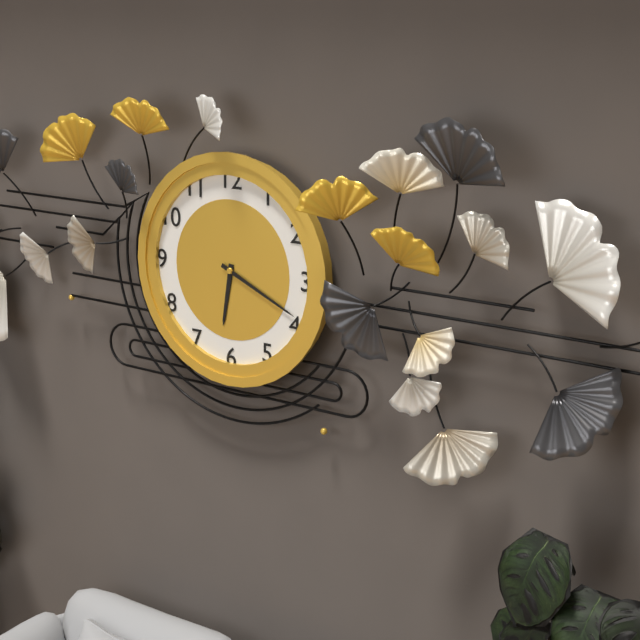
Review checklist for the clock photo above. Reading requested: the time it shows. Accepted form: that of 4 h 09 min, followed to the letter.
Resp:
6 h 19 min
